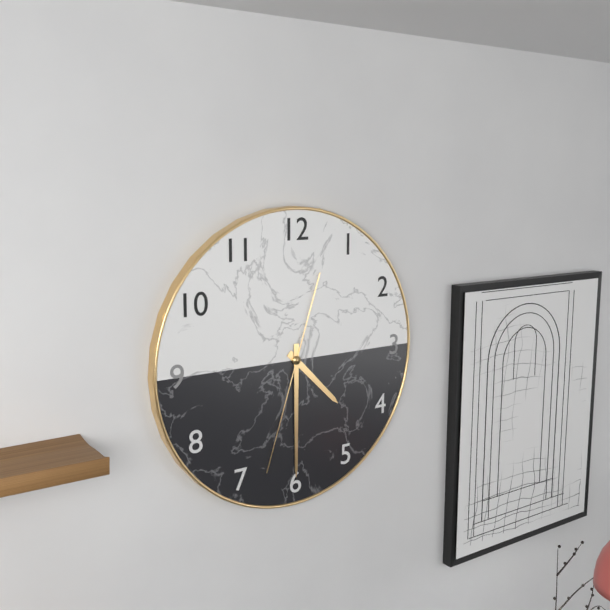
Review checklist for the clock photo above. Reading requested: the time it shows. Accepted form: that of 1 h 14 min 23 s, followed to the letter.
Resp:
4 h 30 min 33 s
